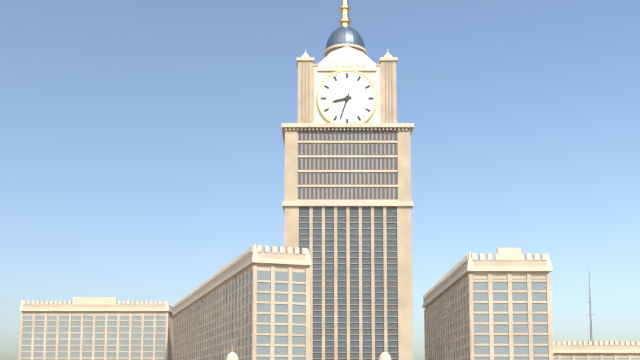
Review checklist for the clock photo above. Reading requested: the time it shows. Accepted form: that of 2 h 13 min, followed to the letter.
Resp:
8 h 33 min
